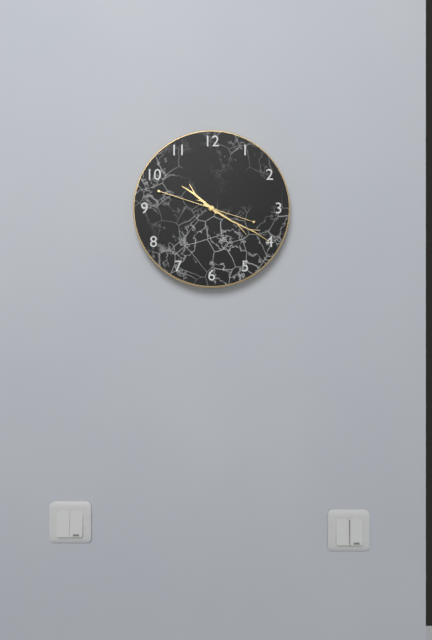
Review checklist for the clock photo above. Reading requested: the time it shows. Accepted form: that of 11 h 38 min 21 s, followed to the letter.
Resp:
10 h 20 min 48 s
